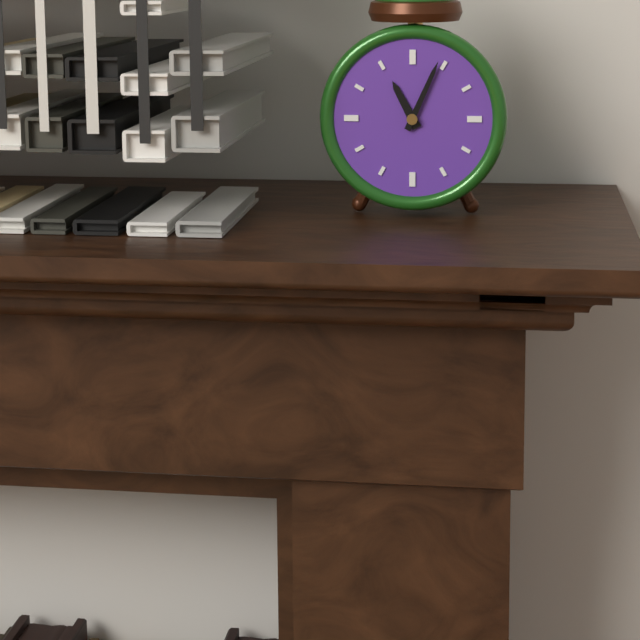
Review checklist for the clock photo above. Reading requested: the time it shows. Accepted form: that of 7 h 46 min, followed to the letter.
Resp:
11 h 04 min
